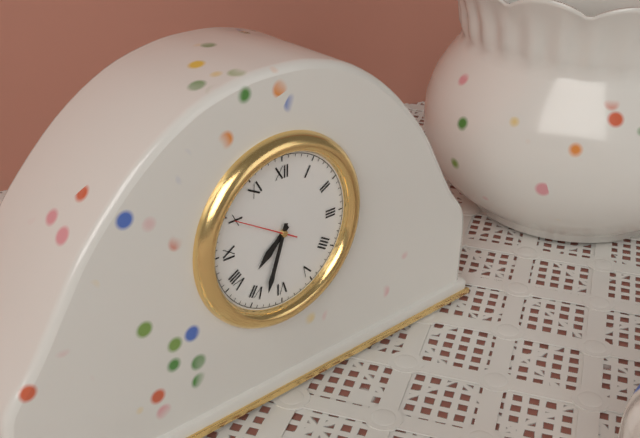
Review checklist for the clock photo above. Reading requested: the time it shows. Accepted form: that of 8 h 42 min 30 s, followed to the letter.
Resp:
7 h 33 min 50 s
